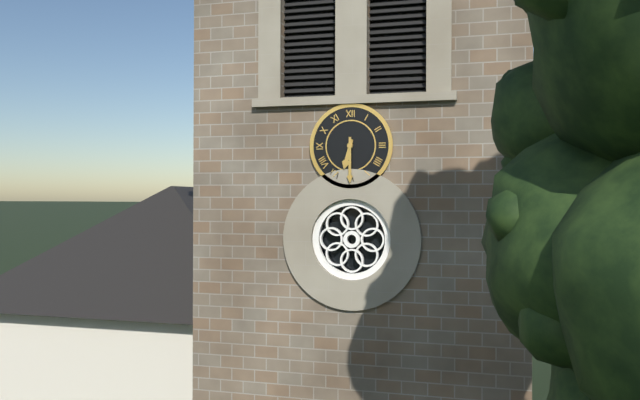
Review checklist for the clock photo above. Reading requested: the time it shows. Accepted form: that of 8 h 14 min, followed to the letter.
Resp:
6 h 30 min
